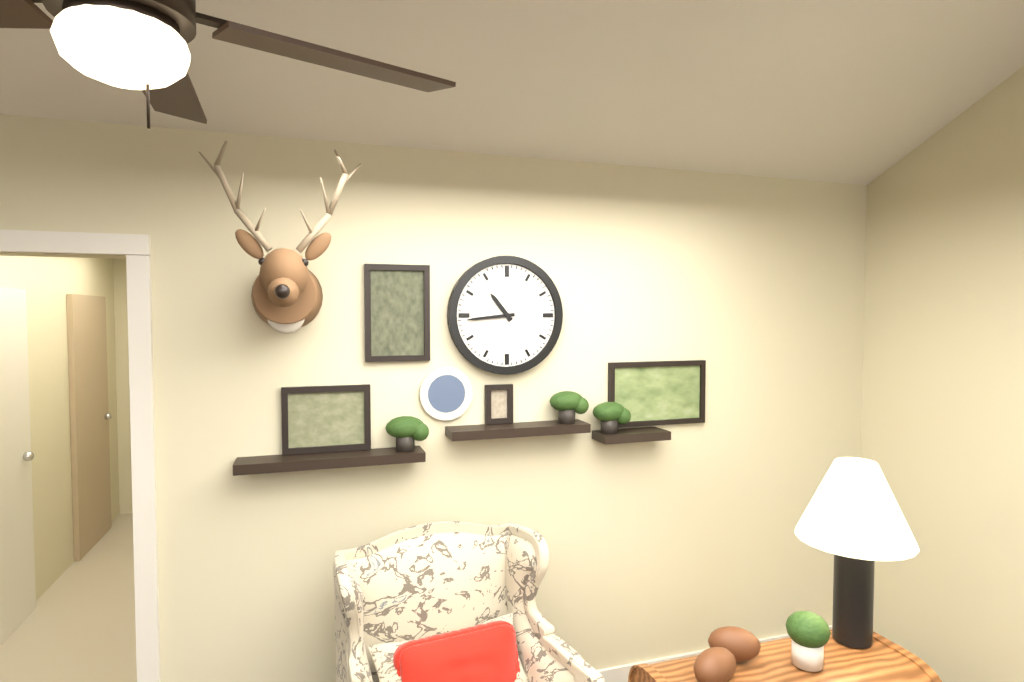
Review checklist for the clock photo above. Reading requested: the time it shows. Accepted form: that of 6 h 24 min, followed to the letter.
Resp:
10 h 44 min
